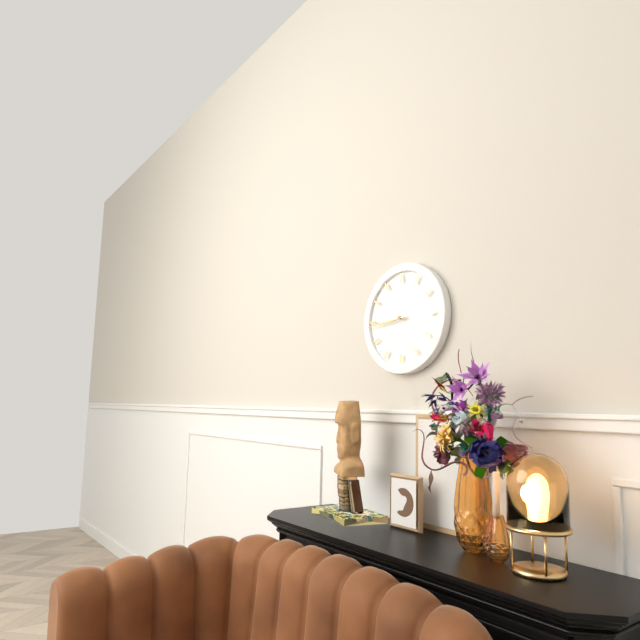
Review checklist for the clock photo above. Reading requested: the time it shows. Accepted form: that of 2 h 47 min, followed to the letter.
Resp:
8 h 44 min
